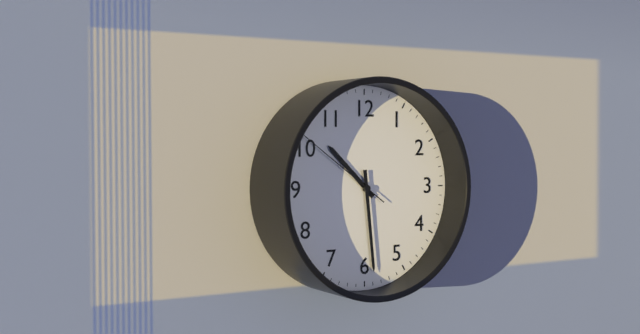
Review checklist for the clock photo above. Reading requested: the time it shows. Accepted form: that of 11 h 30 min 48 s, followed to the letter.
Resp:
10 h 29 min 51 s
